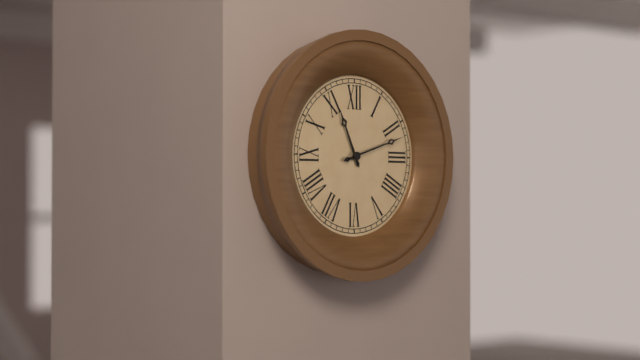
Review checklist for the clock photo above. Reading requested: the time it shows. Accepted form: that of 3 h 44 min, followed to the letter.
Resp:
11 h 12 min
